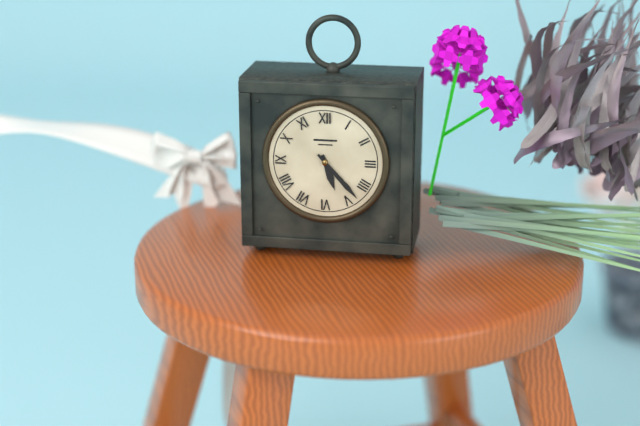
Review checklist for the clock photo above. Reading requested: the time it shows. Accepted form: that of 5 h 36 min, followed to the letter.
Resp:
5 h 23 min
